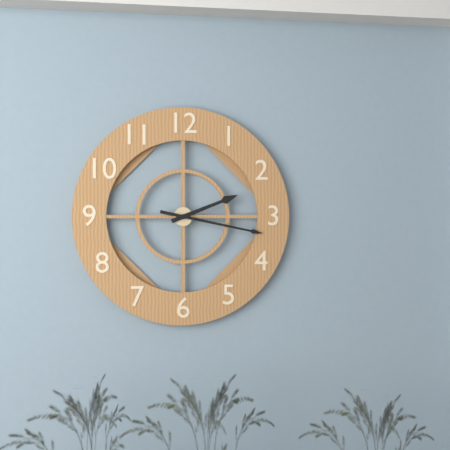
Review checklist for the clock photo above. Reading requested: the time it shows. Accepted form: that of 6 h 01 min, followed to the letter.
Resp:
2 h 17 min
